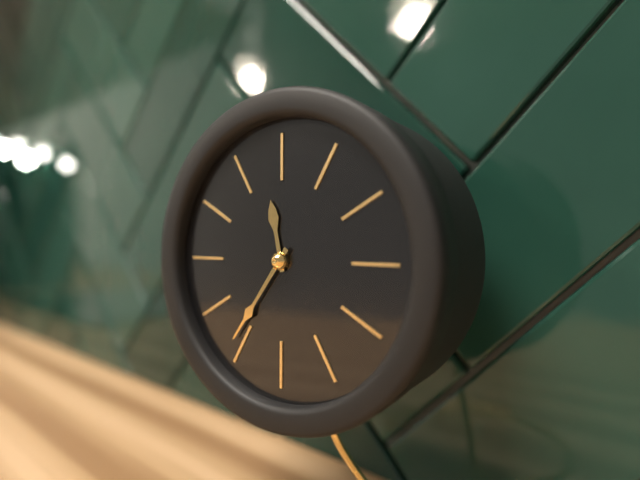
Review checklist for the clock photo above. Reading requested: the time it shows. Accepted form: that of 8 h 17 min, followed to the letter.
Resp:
11 h 36 min
